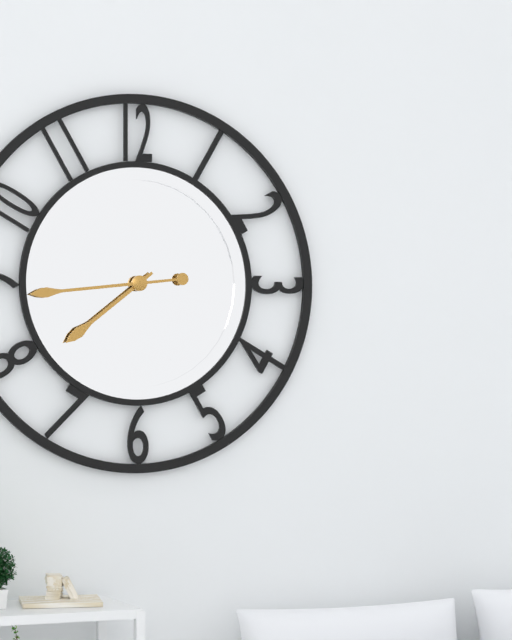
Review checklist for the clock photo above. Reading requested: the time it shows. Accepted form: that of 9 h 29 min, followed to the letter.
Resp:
7 h 44 min
